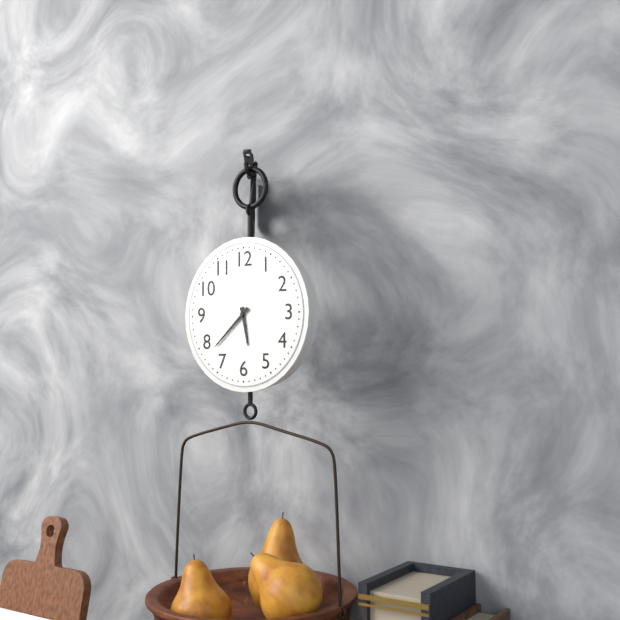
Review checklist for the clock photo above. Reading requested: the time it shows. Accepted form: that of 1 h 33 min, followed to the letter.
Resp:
5 h 38 min
